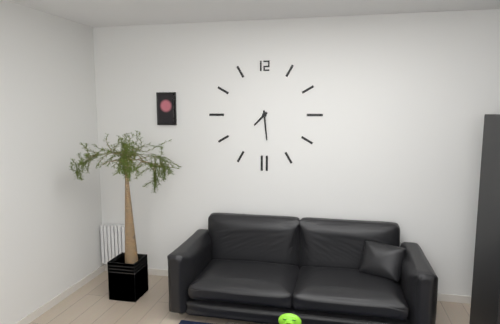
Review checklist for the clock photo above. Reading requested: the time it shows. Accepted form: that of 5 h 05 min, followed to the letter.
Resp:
7 h 29 min
